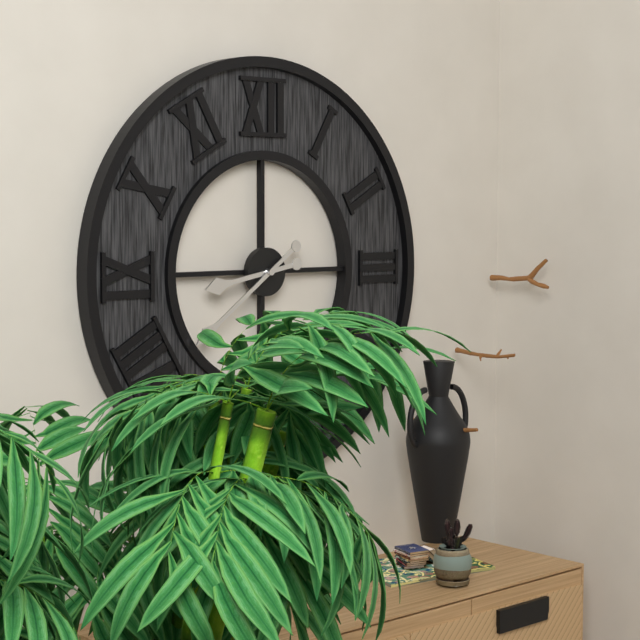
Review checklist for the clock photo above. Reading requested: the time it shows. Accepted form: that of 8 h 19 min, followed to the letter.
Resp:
8 h 39 min
